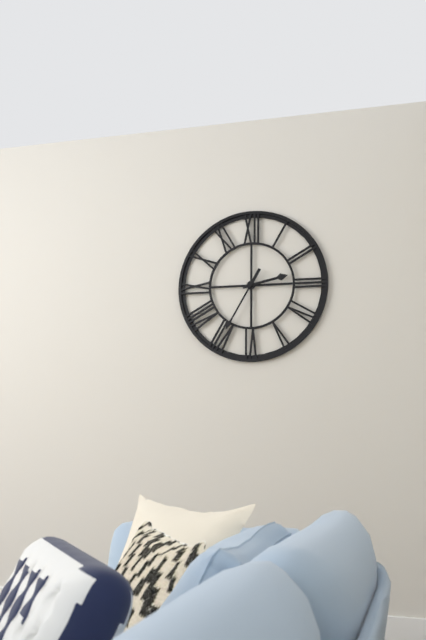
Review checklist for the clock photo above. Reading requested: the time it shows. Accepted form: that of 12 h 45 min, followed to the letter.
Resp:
2 h 35 min
